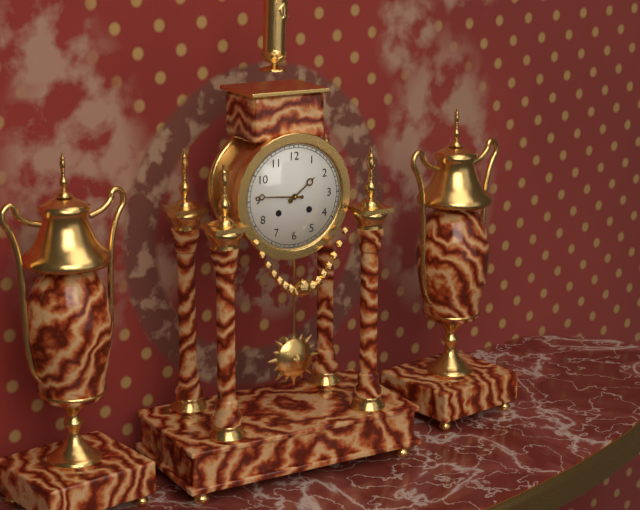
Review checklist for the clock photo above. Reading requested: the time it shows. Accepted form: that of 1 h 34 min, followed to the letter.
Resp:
1 h 46 min
